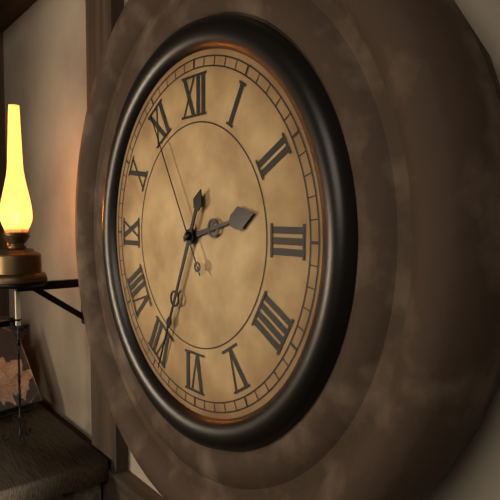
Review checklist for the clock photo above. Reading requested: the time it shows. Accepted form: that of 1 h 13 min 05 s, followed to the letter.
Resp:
2 h 34 min 55 s
